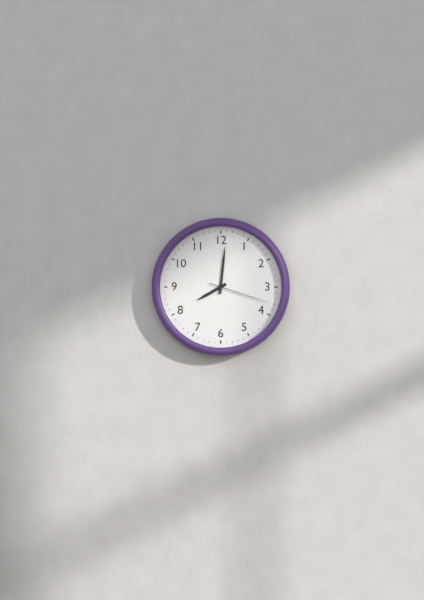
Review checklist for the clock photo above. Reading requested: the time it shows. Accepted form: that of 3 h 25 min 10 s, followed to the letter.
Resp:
8 h 01 min 18 s
